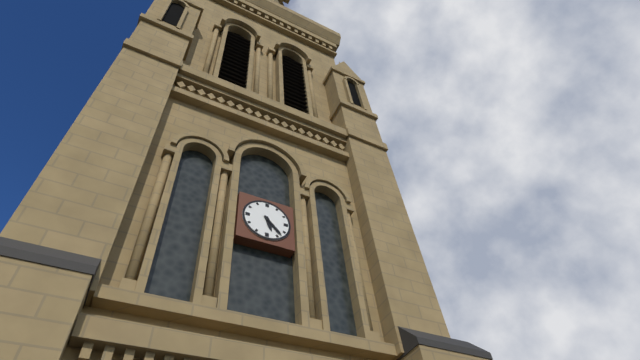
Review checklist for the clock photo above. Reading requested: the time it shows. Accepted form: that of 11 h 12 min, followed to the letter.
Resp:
5 h 23 min
